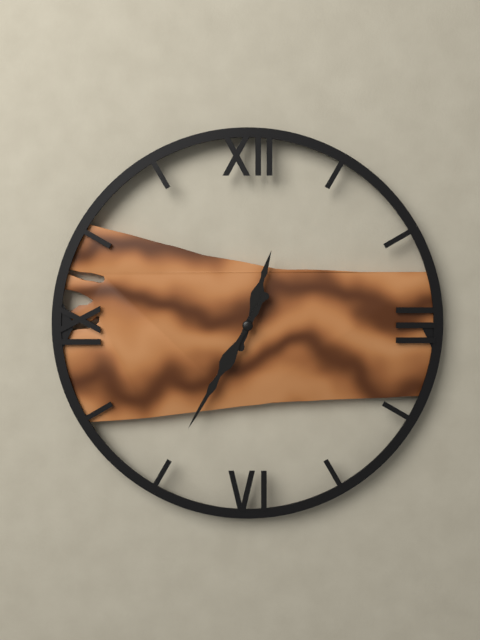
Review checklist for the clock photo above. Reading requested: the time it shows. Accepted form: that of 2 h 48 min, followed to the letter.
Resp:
12 h 35 min
